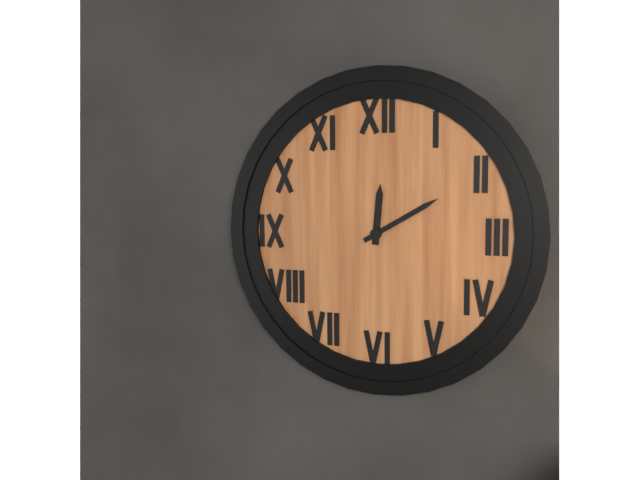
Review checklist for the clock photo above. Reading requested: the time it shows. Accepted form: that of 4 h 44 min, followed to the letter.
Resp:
12 h 10 min
